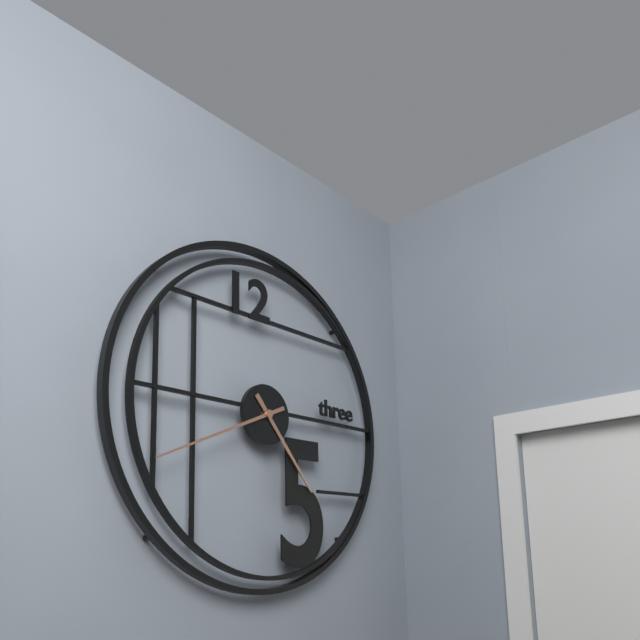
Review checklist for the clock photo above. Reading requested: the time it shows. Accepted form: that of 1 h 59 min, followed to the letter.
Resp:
4 h 41 min
